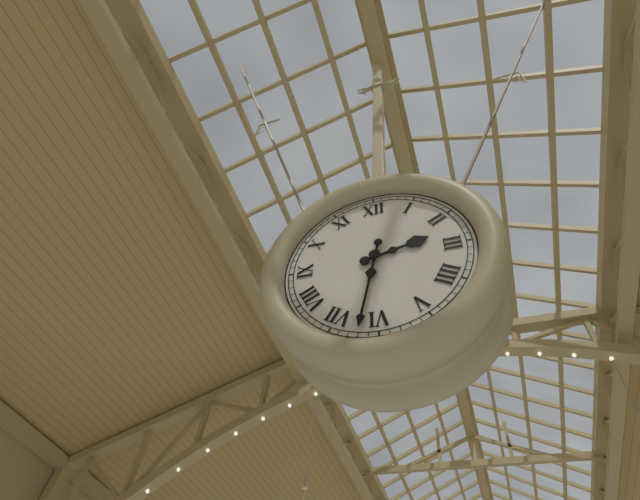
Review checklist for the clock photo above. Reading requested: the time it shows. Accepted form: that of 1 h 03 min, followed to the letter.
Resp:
2 h 32 min
